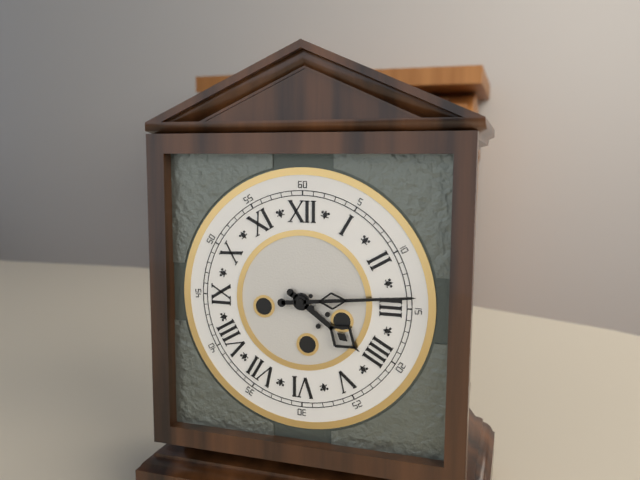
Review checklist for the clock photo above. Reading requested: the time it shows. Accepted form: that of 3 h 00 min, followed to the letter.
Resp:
4 h 14 min
